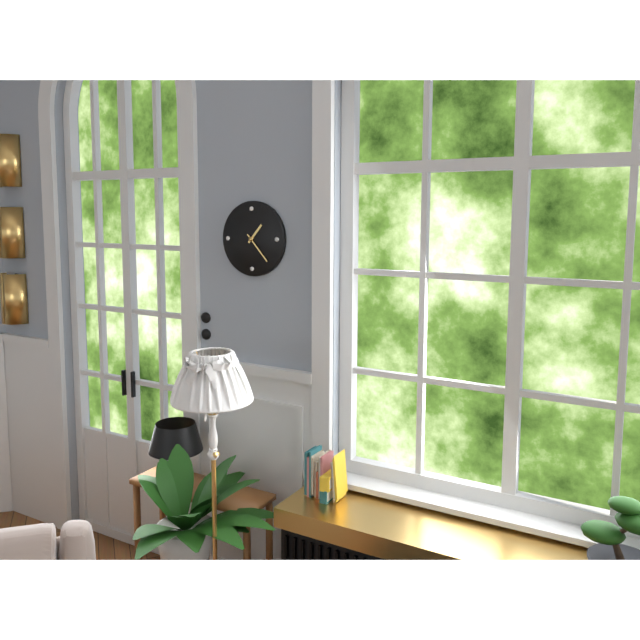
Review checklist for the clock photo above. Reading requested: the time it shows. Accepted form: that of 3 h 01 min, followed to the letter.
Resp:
1 h 23 min
